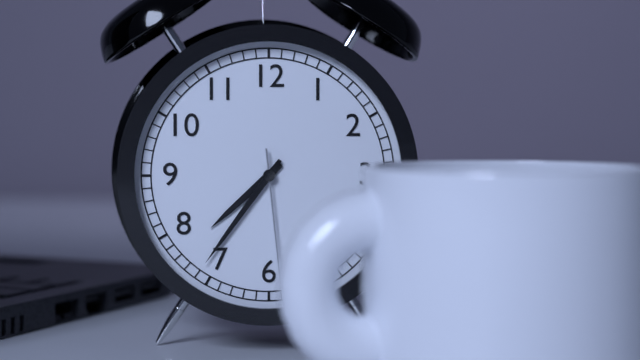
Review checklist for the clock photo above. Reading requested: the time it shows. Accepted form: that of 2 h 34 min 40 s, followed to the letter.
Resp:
7 h 36 min 29 s
